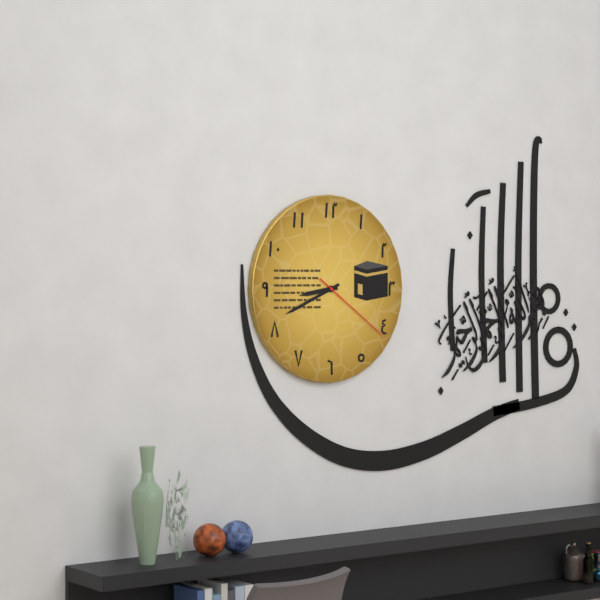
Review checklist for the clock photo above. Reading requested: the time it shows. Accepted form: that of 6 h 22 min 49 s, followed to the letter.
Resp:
8 h 41 min 21 s
